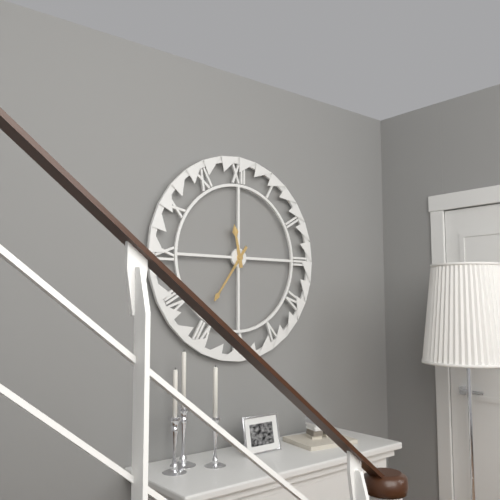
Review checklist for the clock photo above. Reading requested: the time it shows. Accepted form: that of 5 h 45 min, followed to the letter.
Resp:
11 h 36 min
